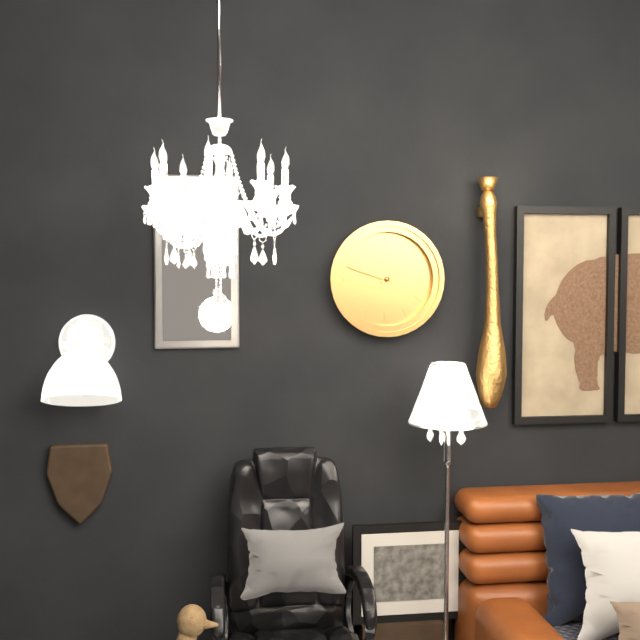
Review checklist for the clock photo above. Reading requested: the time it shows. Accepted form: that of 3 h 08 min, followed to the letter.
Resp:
1 h 48 min
